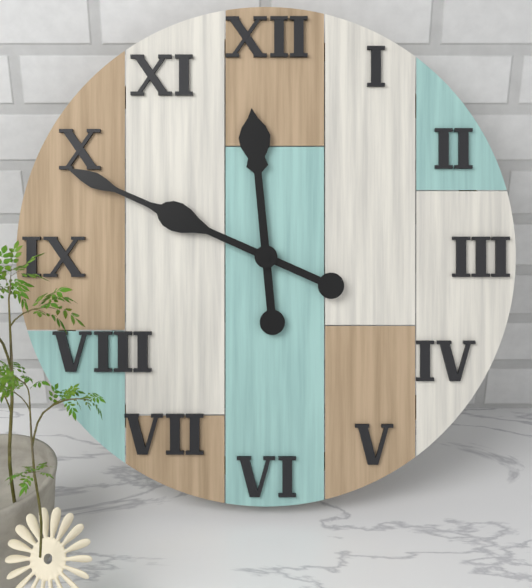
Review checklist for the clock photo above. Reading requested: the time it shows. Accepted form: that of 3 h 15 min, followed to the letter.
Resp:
11 h 49 min
